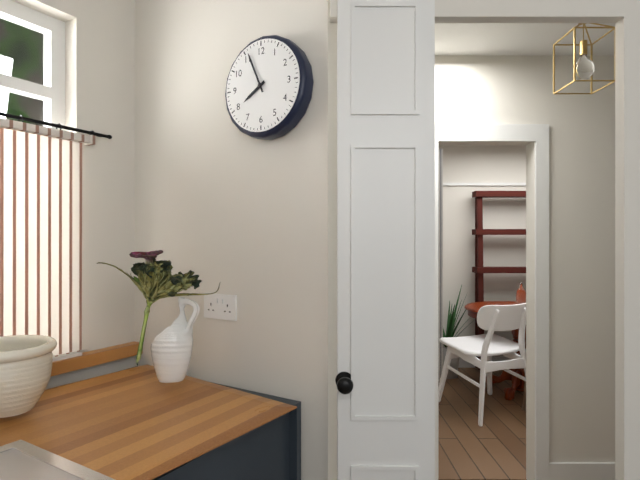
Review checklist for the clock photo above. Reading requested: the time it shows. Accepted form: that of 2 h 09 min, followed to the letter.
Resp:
7 h 56 min
